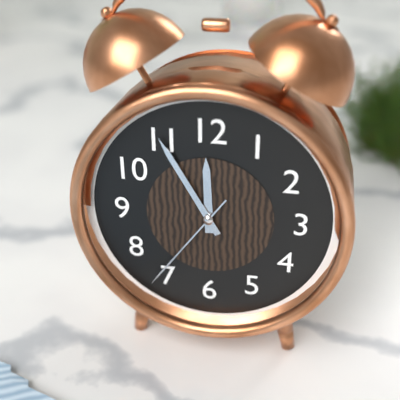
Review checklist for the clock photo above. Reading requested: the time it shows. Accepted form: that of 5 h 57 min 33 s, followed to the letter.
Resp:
11 h 55 min 36 s
